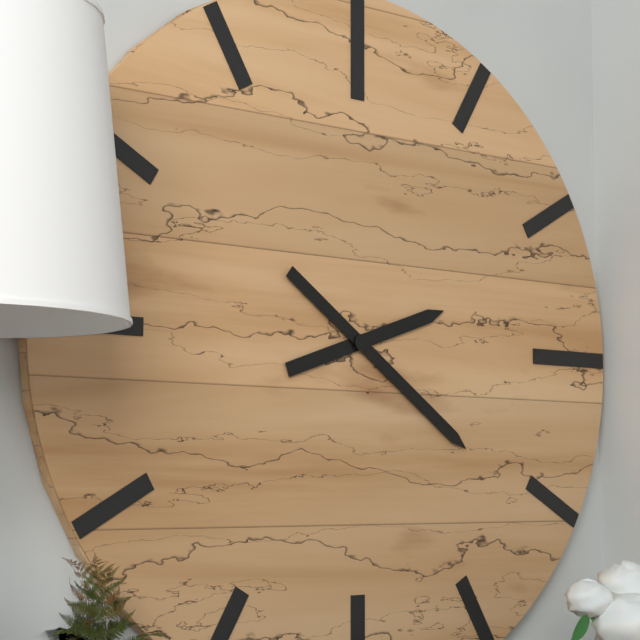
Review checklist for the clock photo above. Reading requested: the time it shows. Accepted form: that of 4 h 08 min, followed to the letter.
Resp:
2 h 21 min
